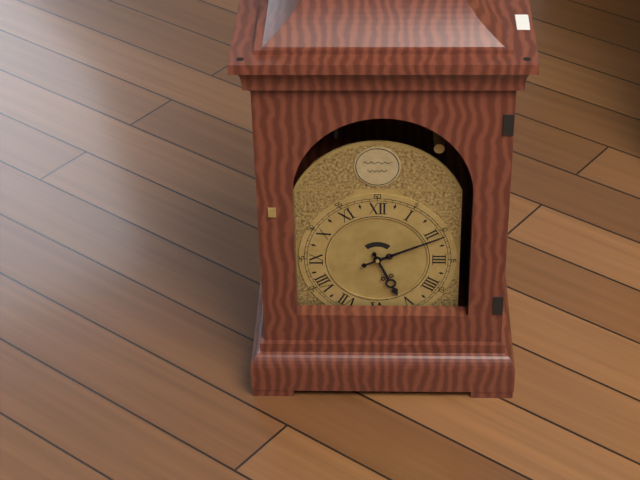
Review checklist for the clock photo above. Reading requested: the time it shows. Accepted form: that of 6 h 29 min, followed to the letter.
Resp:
5 h 11 min
